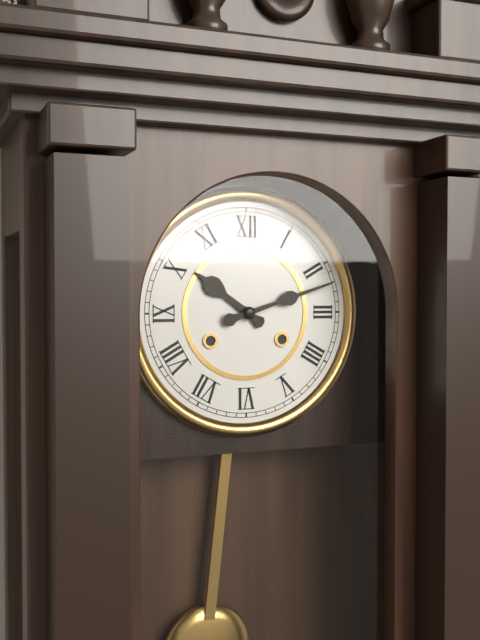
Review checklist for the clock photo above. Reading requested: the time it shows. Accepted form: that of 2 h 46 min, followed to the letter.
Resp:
10 h 12 min
